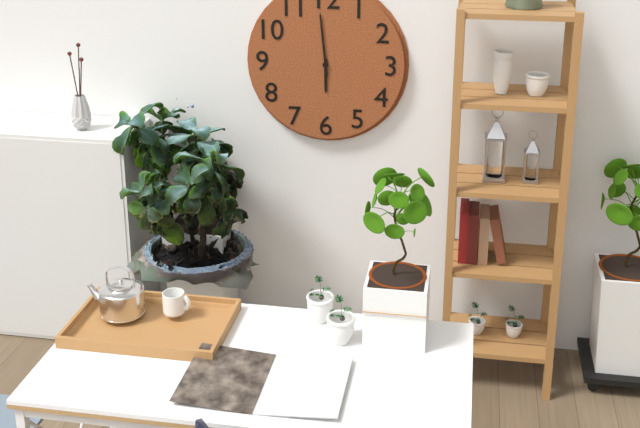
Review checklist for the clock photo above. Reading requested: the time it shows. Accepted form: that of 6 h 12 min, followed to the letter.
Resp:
5 h 59 min
